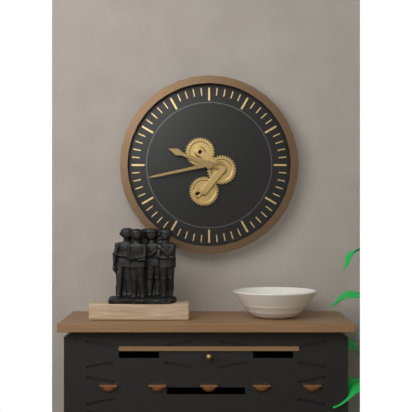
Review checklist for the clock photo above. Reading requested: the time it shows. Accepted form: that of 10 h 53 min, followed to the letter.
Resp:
9 h 43 min
